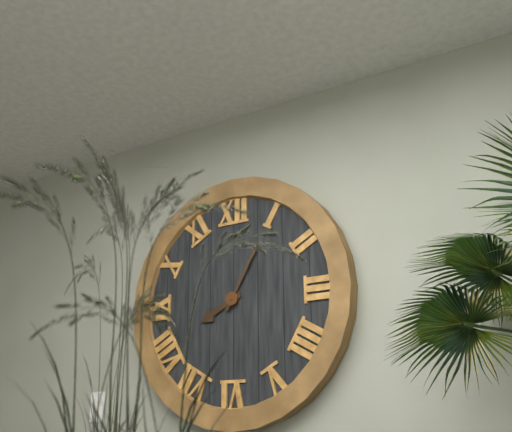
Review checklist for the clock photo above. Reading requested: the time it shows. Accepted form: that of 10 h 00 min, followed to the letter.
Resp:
8 h 05 min
